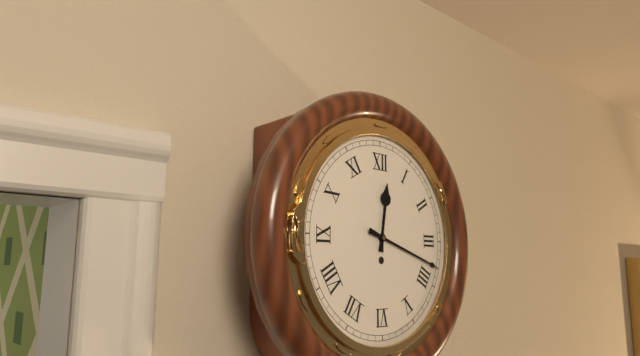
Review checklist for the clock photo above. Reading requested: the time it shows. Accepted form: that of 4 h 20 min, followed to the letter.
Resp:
12 h 18 min
